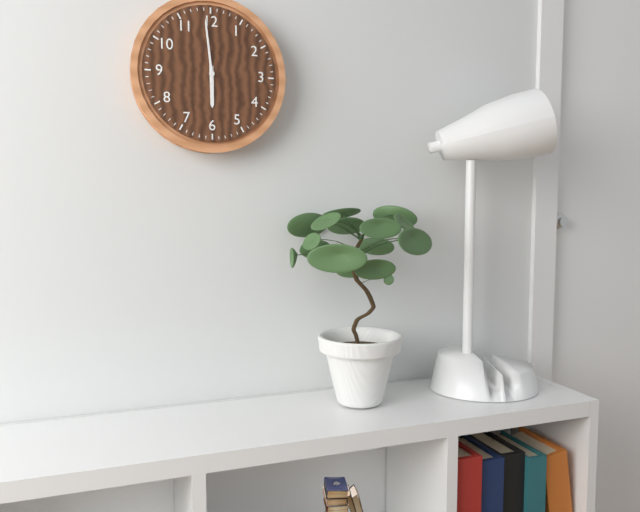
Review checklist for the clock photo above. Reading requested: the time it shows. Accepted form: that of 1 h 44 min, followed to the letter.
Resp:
5 h 59 min
